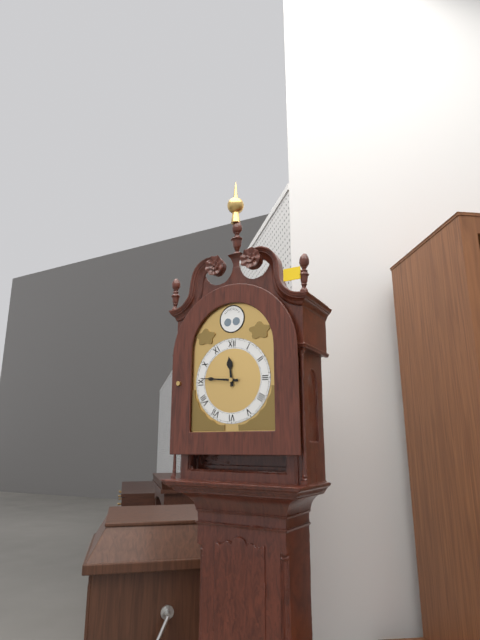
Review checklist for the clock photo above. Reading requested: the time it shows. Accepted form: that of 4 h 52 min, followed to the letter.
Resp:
11 h 46 min
